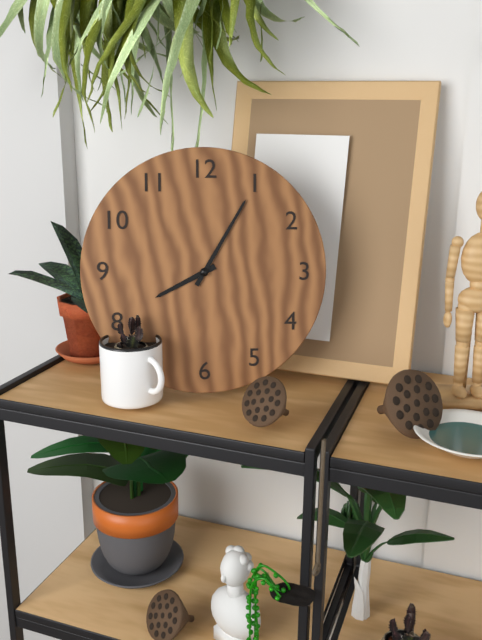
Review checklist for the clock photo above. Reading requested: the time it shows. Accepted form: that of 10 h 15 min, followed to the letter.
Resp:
8 h 05 min
